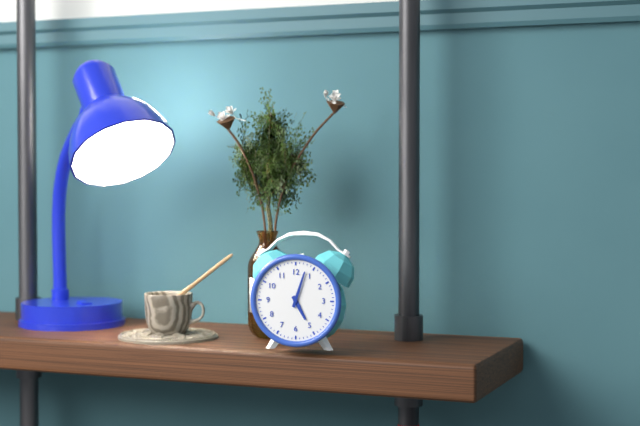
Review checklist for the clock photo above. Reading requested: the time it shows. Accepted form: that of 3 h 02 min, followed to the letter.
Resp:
5 h 03 min
